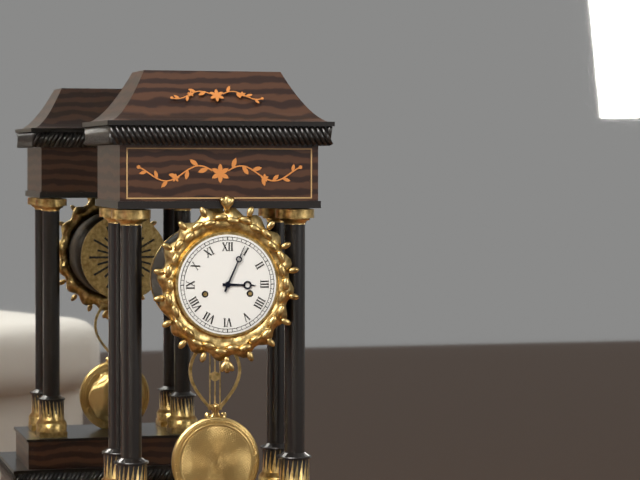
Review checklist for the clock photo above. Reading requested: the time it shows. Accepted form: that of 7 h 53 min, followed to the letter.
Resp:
3 h 04 min
